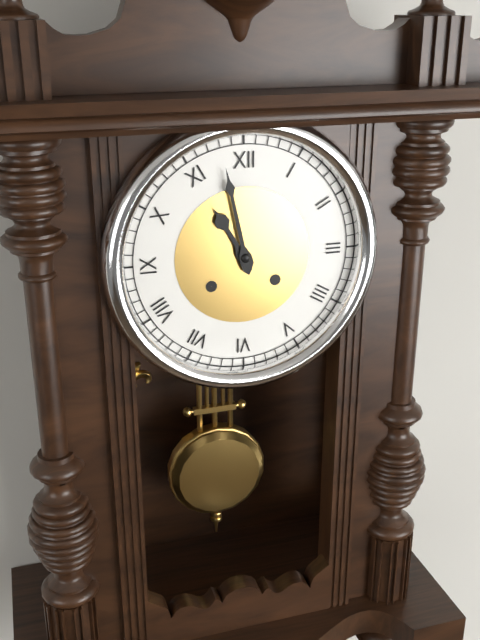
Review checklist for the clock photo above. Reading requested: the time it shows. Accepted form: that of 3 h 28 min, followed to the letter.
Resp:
10 h 58 min
